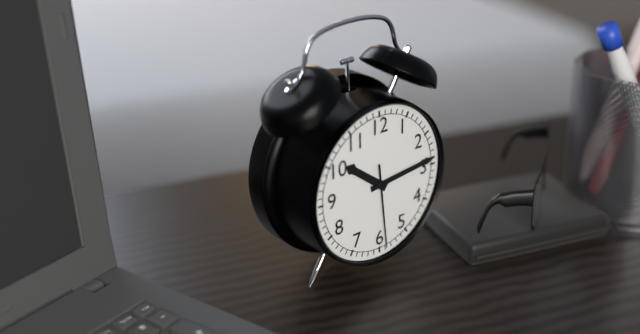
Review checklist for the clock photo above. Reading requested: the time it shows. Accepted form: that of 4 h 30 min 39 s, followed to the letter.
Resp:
10 h 14 min 29 s
